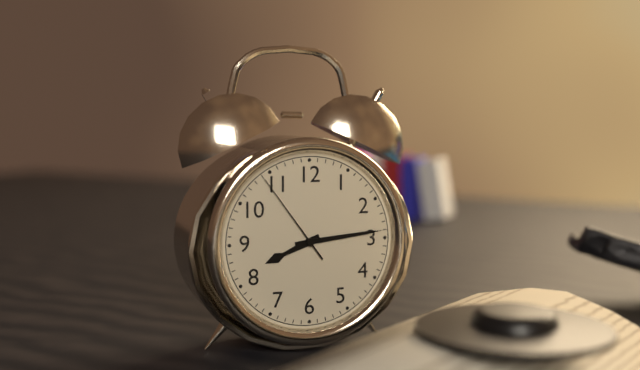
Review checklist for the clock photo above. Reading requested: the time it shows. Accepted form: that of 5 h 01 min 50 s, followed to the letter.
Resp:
8 h 14 min 54 s
